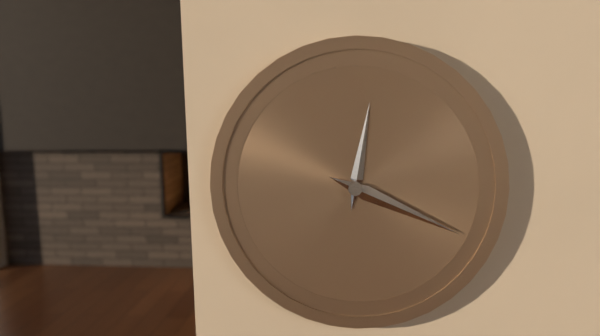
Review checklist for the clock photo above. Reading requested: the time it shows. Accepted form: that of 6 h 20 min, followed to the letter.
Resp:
12 h 19 min
